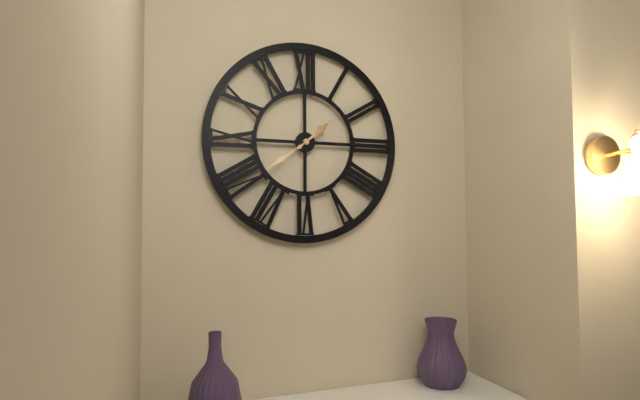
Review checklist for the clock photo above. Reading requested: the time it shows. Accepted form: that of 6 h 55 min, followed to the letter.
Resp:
1 h 39 min
